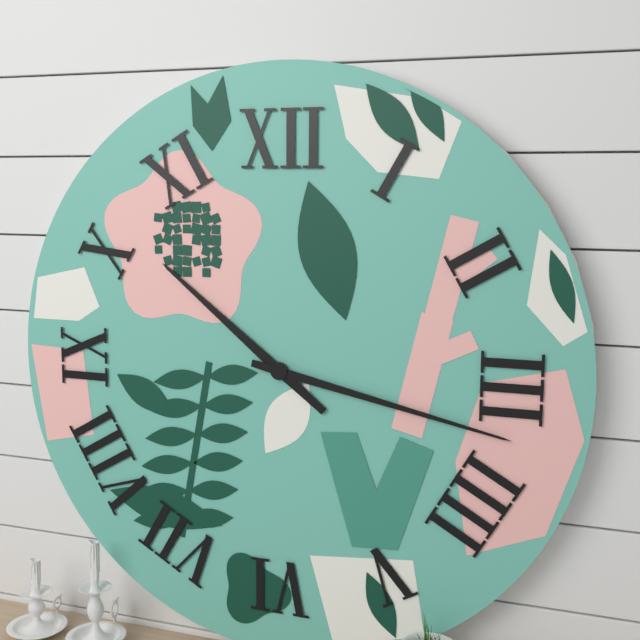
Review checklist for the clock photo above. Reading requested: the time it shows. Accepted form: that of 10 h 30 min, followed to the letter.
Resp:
10 h 17 min
